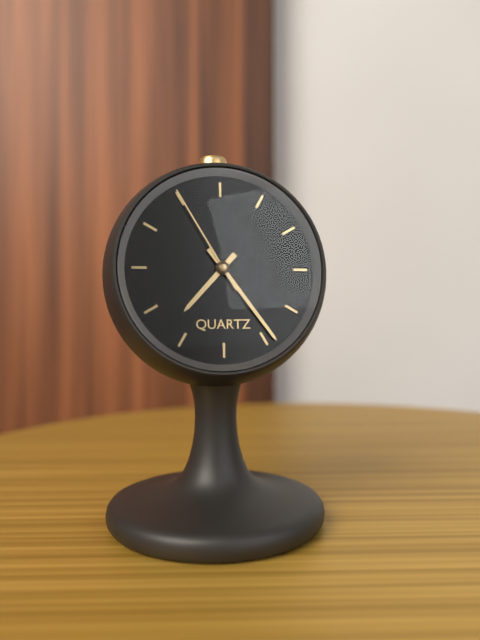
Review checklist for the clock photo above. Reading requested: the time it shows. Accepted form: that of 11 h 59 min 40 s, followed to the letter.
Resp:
7 h 24 min 55 s
